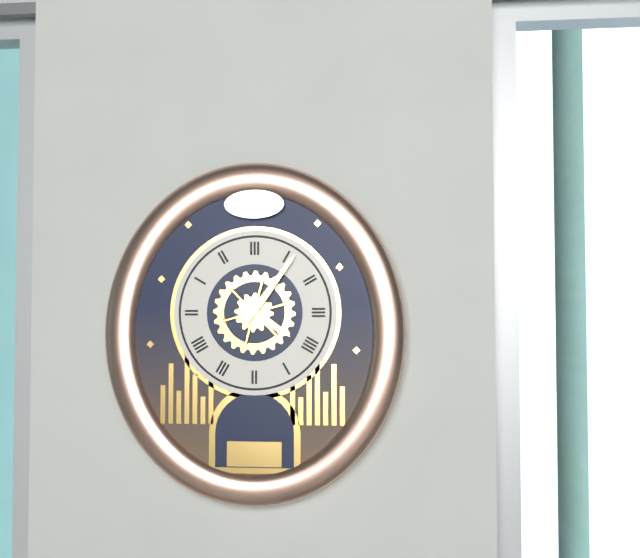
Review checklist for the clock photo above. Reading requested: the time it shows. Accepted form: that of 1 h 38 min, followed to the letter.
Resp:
4 h 06 min
